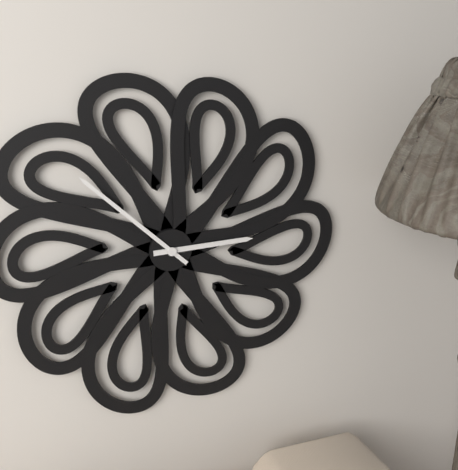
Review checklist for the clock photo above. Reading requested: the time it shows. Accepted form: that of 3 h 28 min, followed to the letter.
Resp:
2 h 52 min
